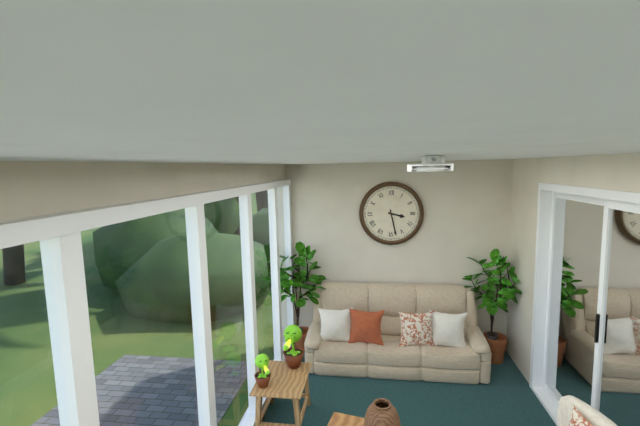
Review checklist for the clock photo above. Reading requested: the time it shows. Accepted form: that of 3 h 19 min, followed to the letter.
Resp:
3 h 28 min
